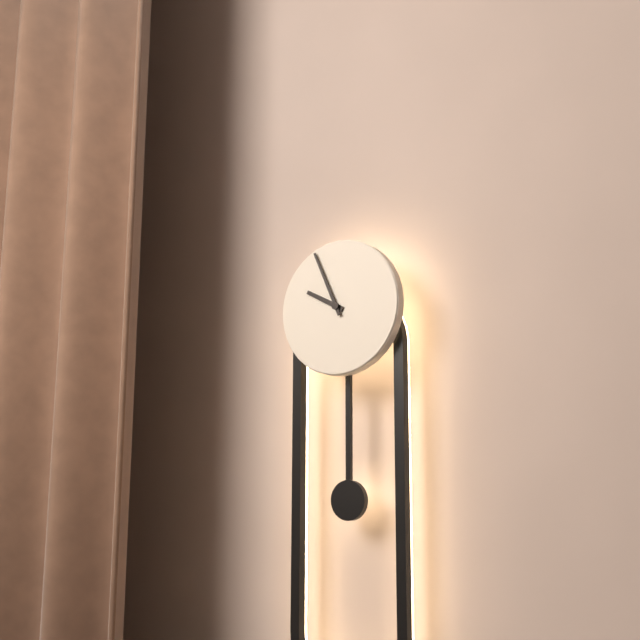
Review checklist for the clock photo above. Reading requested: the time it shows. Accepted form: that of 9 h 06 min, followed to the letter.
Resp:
9 h 56 min
